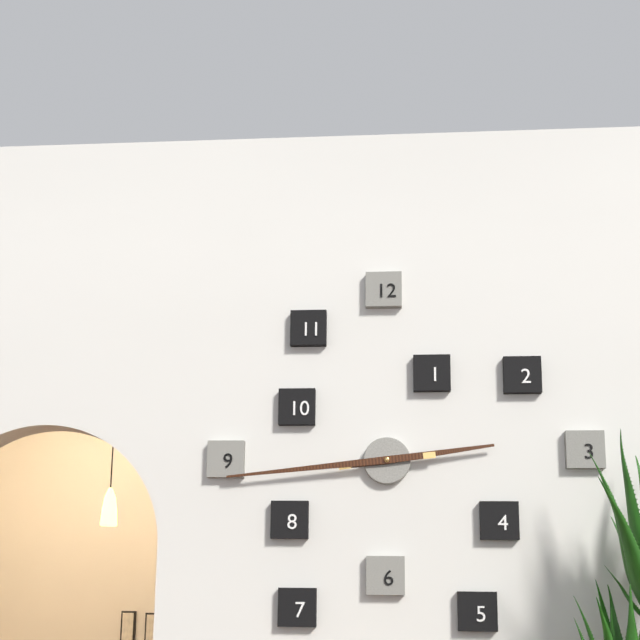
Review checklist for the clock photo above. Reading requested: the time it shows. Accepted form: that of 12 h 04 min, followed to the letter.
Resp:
2 h 44 min
